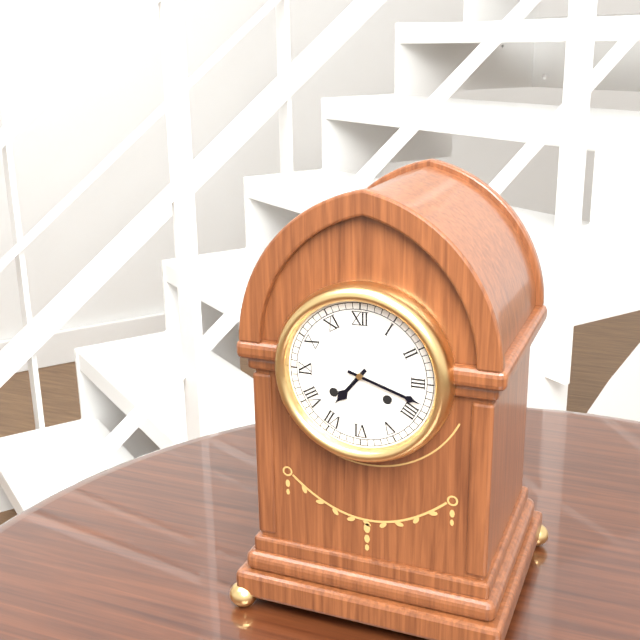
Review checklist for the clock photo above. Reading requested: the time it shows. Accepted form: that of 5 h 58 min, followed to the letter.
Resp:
7 h 18 min
